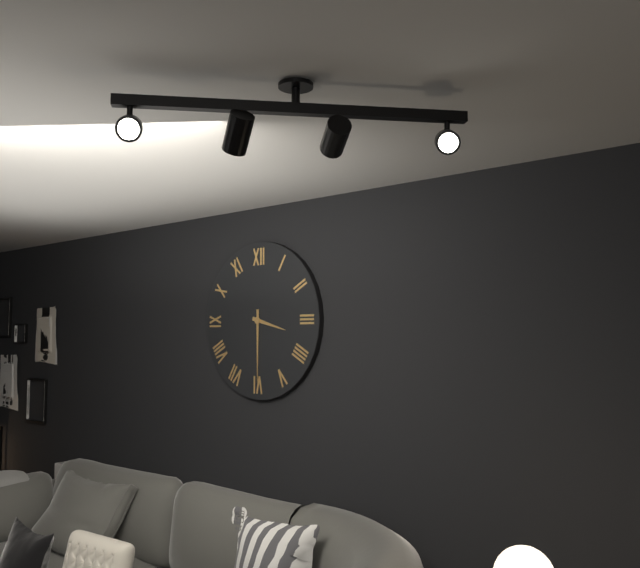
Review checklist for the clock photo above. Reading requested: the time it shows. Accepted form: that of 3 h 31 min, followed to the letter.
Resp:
3 h 30 min
